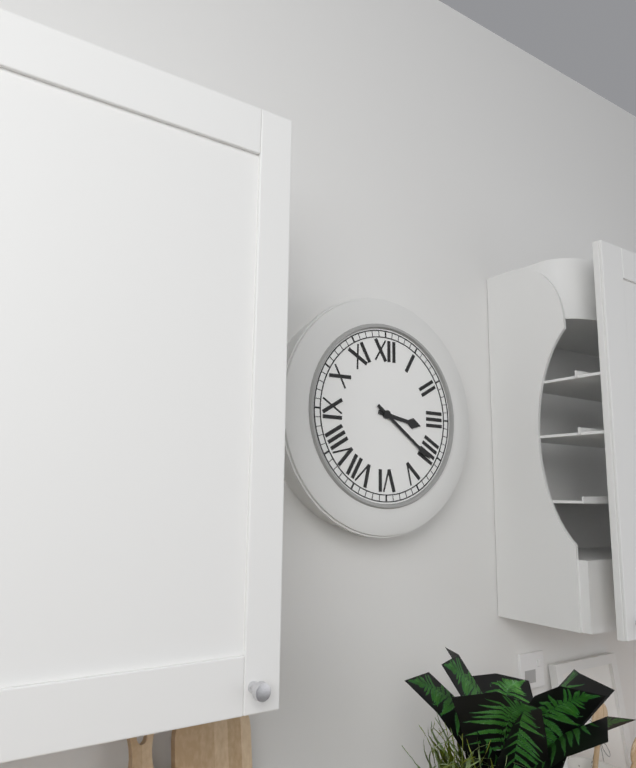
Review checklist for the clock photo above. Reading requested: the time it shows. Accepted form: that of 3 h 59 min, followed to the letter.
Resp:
3 h 21 min
